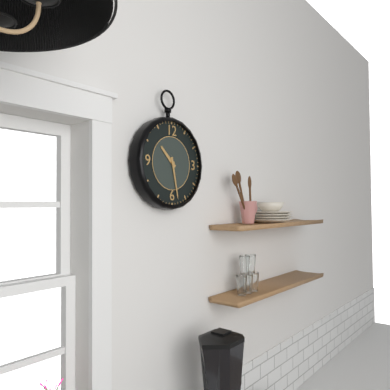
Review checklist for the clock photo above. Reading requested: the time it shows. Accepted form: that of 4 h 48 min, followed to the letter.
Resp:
10 h 28 min
